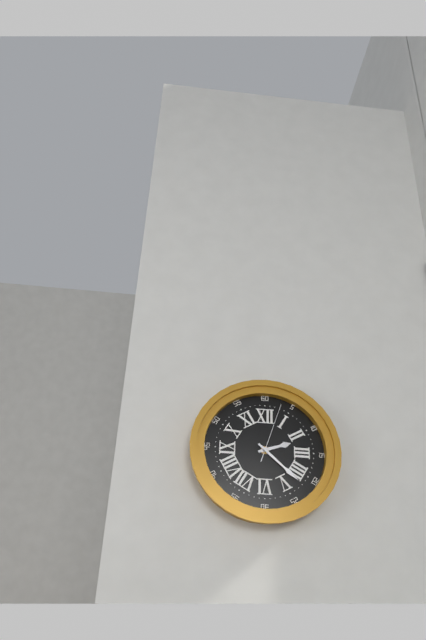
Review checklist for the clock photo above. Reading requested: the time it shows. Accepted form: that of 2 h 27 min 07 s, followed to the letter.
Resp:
2 h 22 min 03 s
